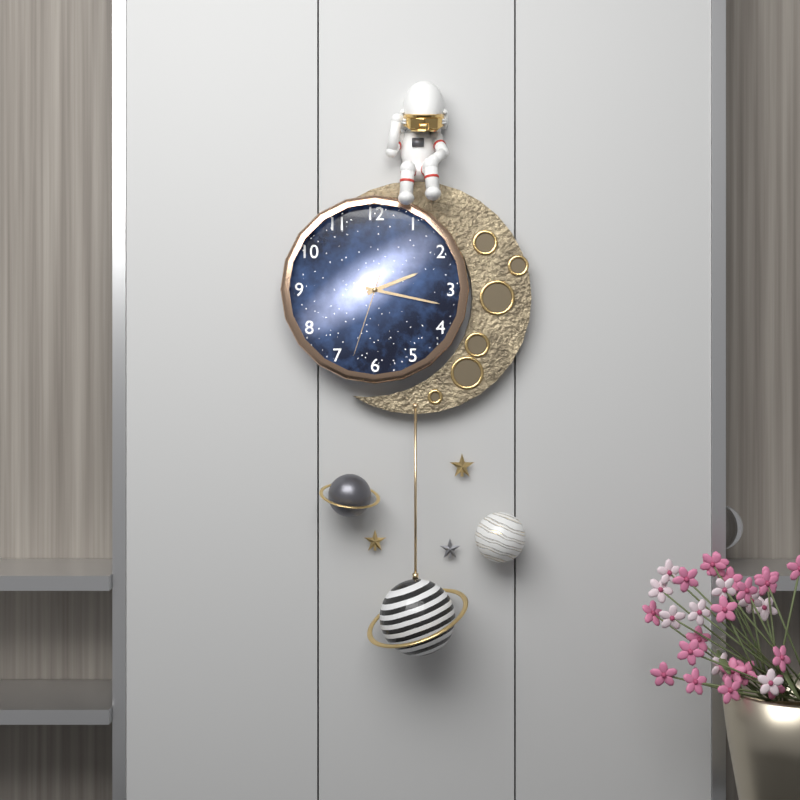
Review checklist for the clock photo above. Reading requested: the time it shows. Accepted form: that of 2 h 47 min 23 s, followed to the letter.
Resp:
2 h 17 min 33 s
